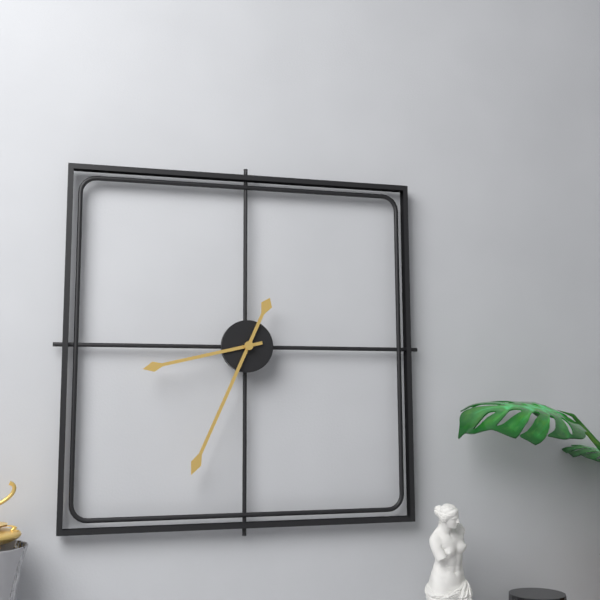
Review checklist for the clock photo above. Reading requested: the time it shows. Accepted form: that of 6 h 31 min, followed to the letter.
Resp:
8 h 34 min
